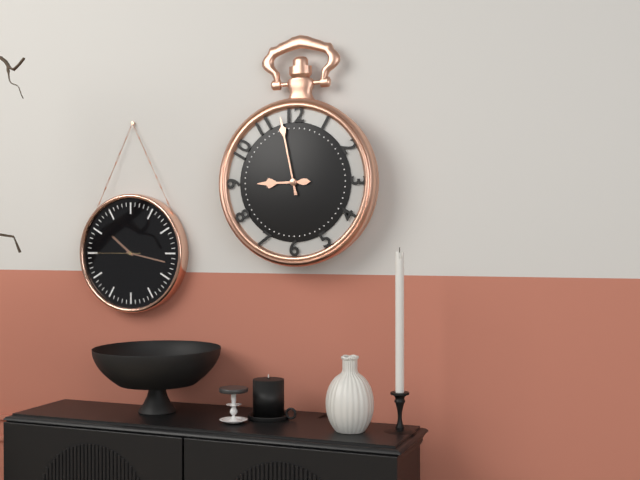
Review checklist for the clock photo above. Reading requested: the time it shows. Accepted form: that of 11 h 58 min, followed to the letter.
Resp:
8 h 58 min
